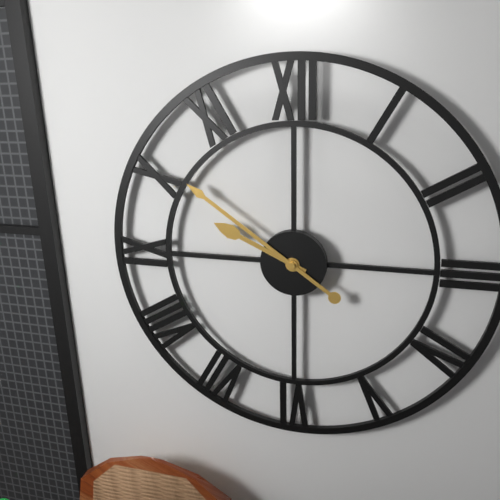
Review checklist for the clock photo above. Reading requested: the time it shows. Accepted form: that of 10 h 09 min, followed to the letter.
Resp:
9 h 51 min
